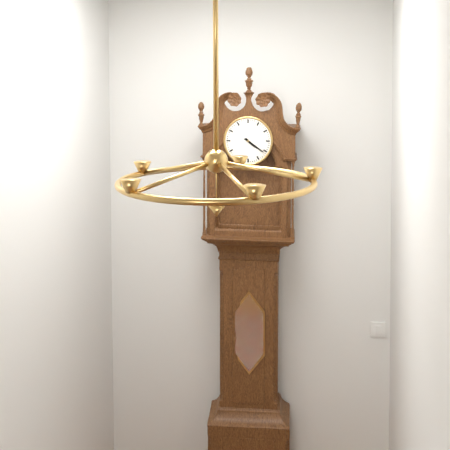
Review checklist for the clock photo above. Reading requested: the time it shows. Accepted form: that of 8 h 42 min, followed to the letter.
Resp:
4 h 21 min
